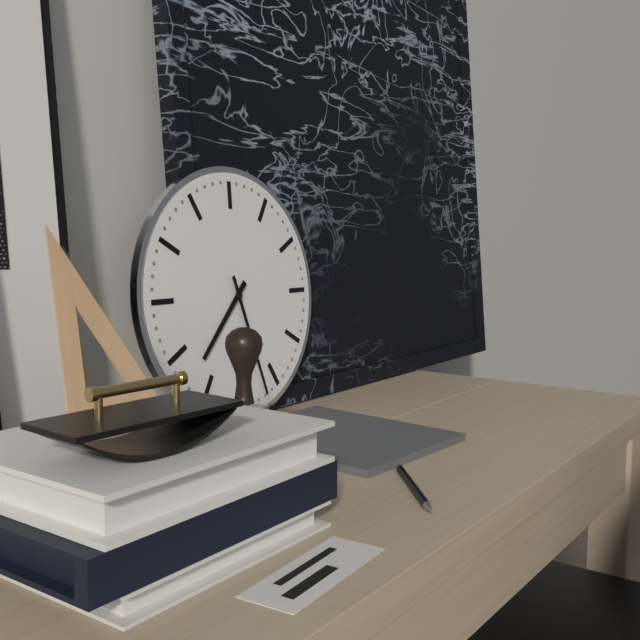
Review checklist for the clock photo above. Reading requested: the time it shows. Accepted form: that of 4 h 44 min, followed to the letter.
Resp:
7 h 27 min
